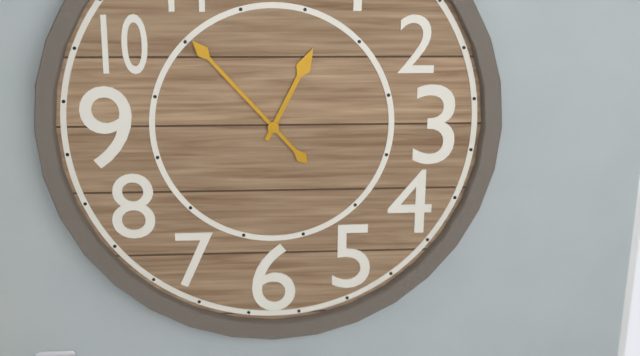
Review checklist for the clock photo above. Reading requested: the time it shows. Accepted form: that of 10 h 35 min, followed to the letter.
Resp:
12 h 53 min
